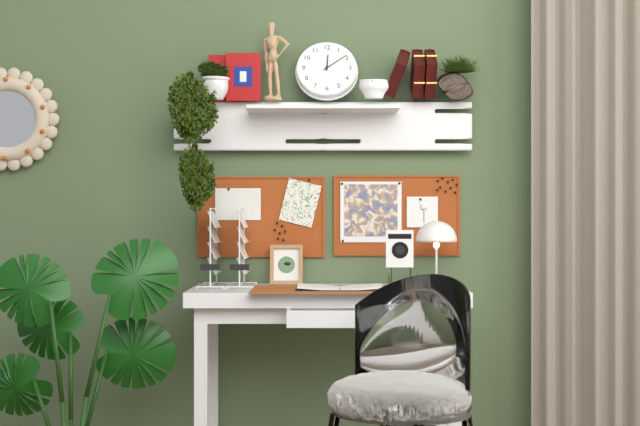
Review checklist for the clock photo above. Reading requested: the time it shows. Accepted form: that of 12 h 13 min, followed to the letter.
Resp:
12 h 09 min
